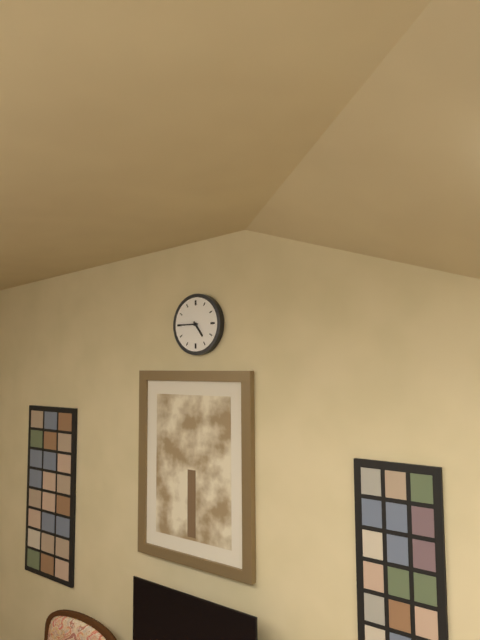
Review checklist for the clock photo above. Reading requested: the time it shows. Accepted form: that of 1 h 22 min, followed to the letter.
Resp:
4 h 45 min
